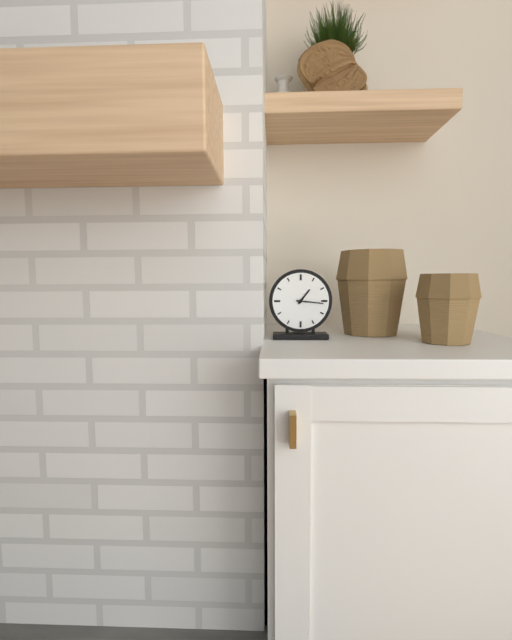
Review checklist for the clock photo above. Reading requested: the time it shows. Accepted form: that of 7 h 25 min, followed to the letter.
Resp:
1 h 16 min
